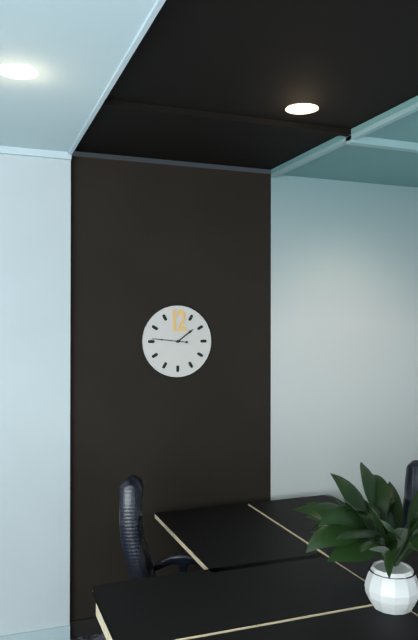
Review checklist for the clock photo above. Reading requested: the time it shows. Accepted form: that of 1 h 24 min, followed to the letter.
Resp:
1 h 46 min
